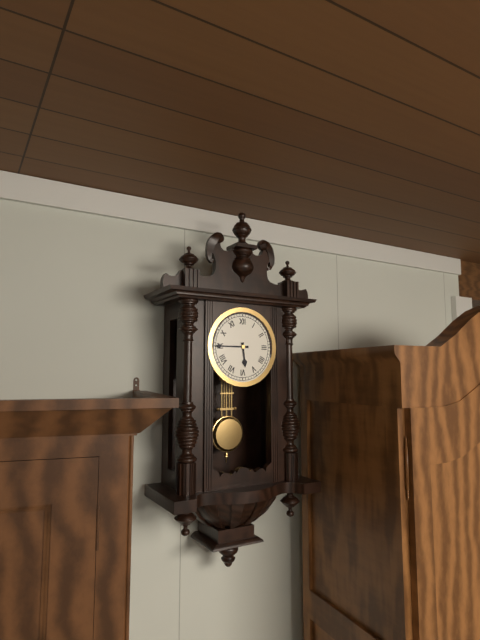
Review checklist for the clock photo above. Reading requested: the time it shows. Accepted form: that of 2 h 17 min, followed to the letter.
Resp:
5 h 45 min
